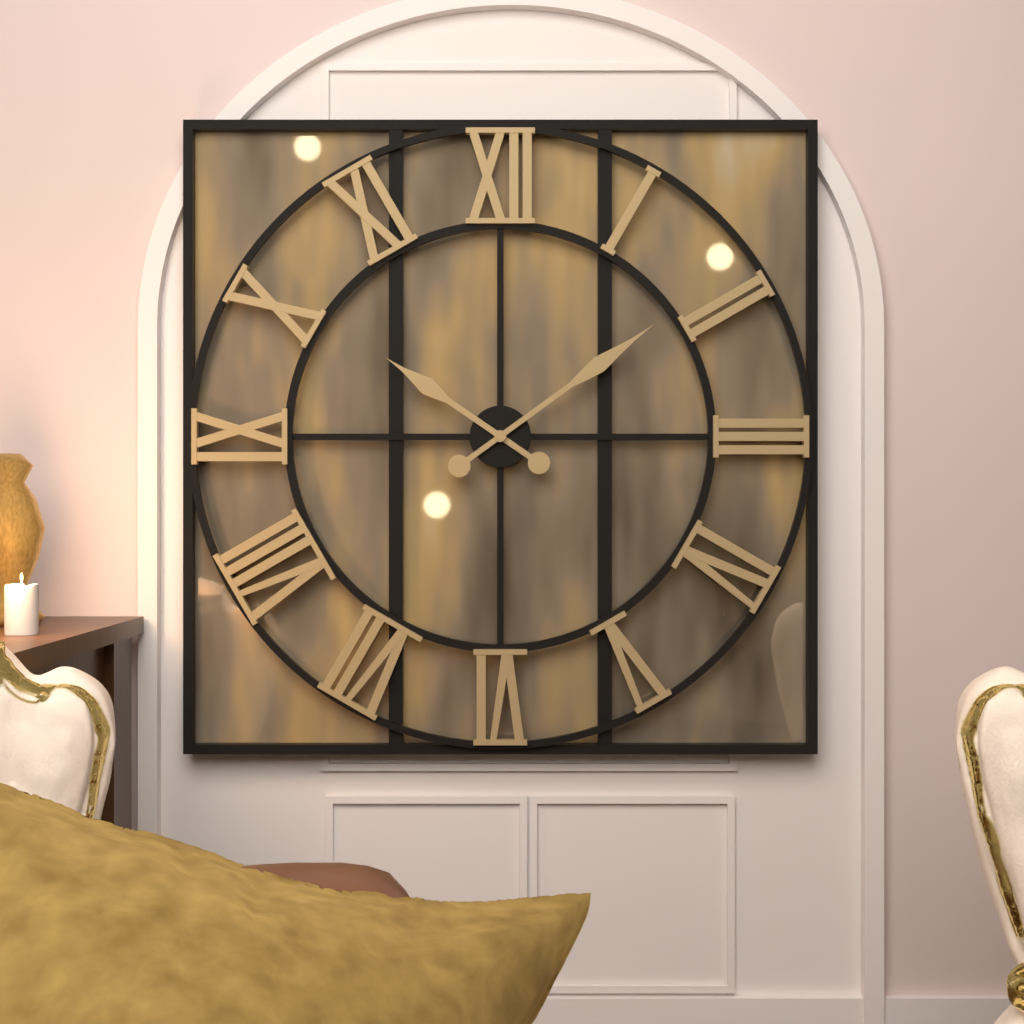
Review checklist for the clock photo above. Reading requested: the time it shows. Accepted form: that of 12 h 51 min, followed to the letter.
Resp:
10 h 09 min
